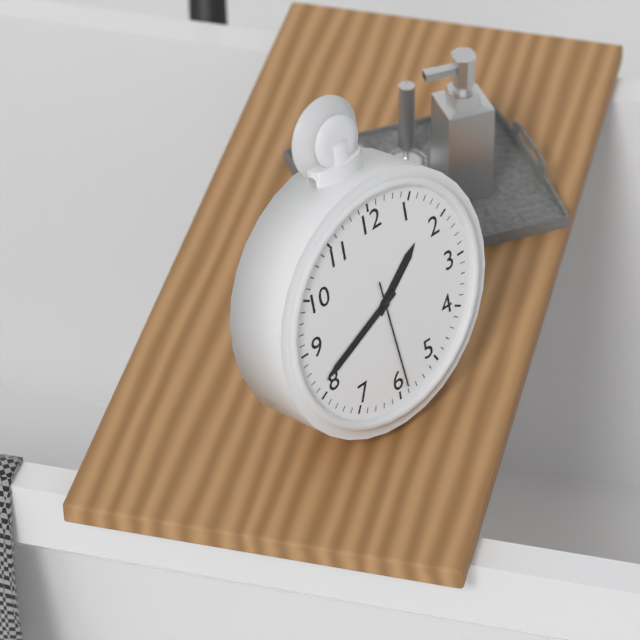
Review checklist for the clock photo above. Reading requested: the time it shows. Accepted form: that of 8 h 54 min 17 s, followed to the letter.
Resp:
1 h 41 min 29 s
